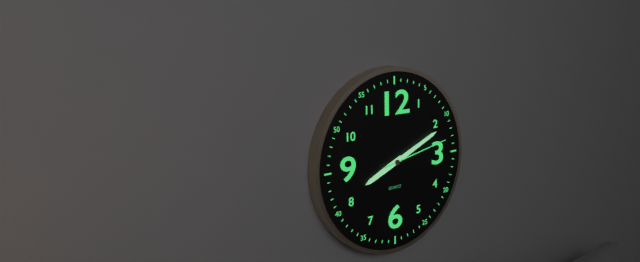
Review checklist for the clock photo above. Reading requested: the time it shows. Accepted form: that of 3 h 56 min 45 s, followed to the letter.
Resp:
8 h 11 min 13 s
